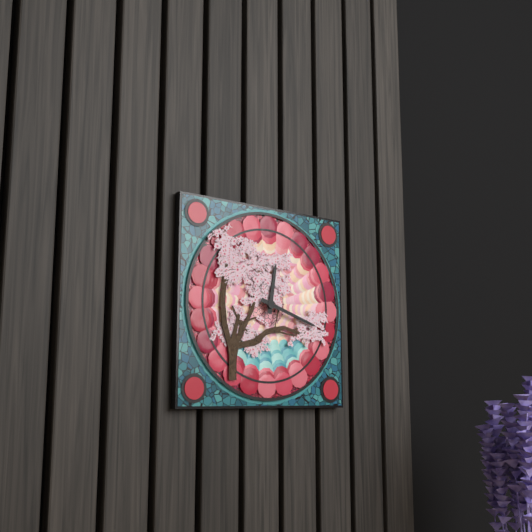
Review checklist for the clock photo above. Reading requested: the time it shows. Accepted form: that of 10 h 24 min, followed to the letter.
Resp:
12 h 18 min
